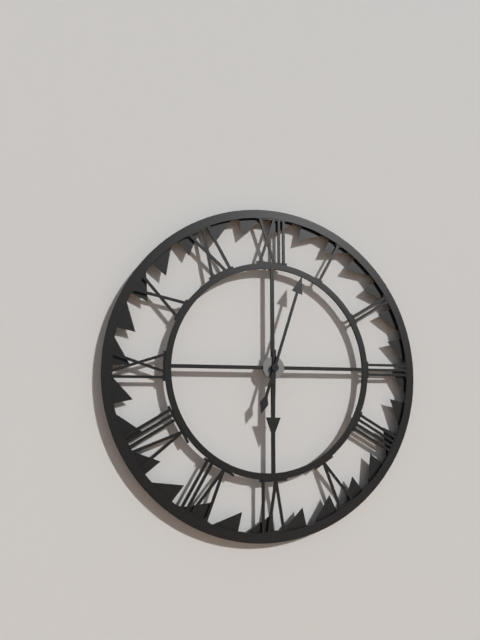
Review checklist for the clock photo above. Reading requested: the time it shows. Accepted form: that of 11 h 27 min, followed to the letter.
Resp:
6 h 03 min
